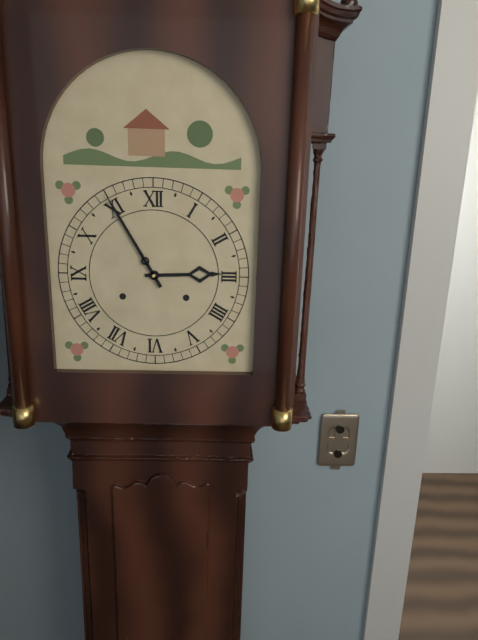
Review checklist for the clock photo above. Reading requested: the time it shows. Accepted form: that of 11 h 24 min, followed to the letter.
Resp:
2 h 55 min
